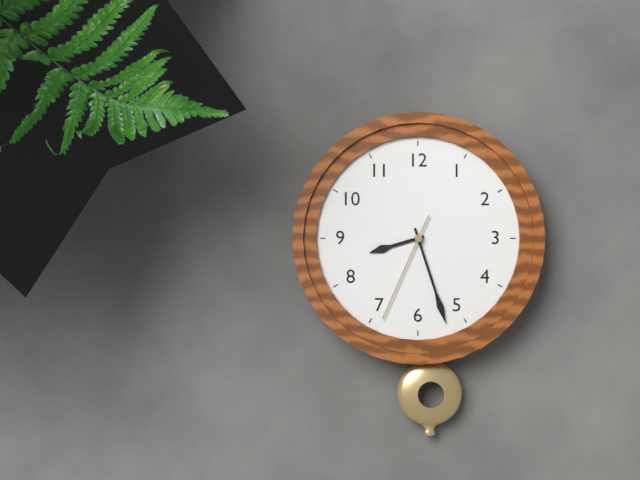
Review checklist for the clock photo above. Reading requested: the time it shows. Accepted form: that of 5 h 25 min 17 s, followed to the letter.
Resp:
8 h 27 min 34 s
